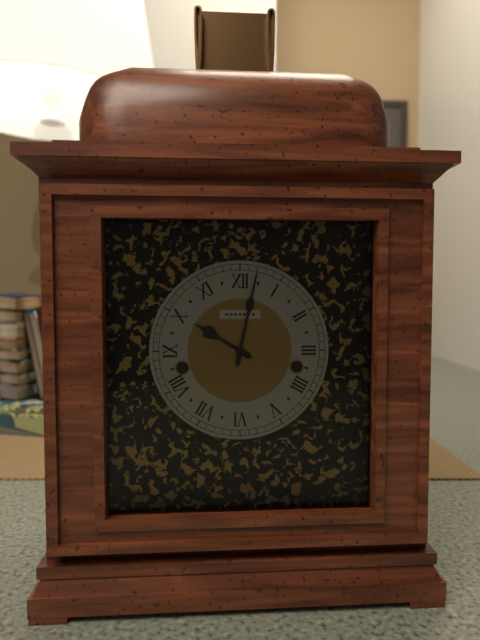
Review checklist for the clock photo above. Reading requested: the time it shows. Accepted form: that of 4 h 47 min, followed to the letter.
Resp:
10 h 02 min
